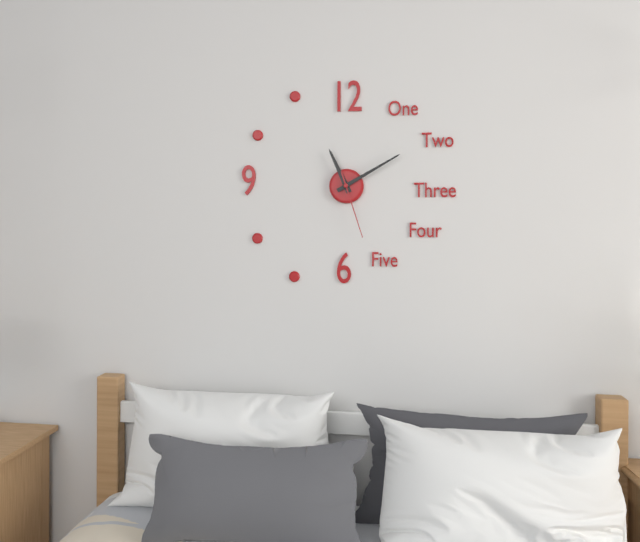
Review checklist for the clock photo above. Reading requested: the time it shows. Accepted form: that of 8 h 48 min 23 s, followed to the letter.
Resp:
11 h 10 min 27 s
